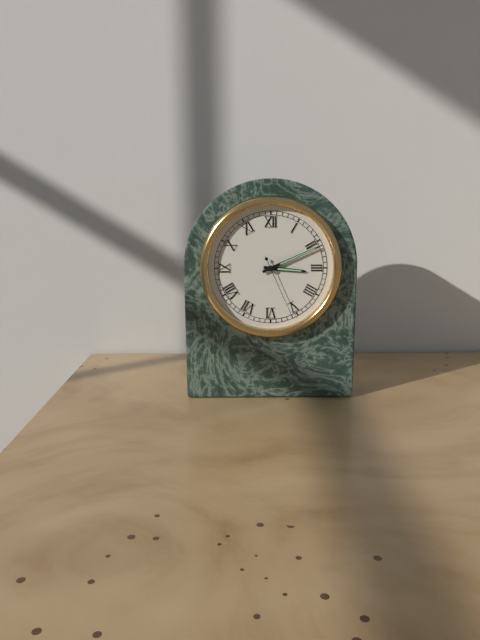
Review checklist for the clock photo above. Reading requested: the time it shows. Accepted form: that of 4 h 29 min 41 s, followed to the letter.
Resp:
3 h 11 min 26 s
